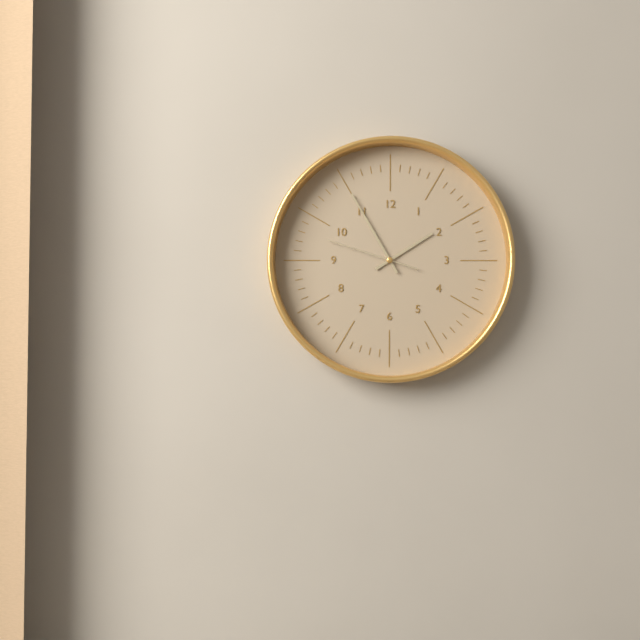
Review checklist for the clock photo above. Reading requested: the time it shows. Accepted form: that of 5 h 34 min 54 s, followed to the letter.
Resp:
1 h 55 min 48 s
